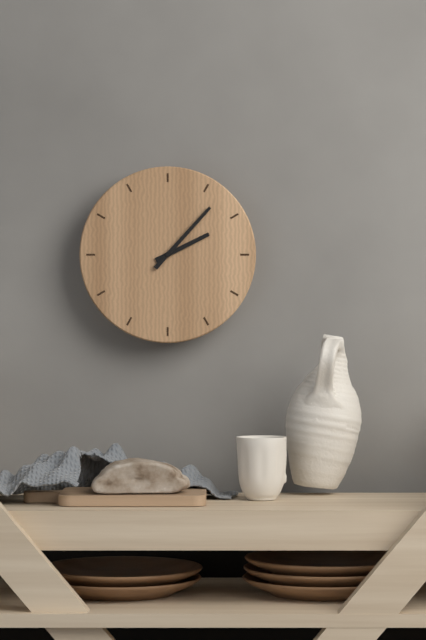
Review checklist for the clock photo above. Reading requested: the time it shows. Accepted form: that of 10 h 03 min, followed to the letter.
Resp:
2 h 07 min
